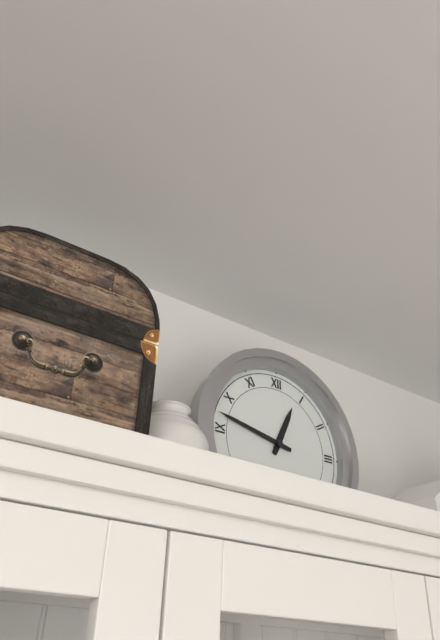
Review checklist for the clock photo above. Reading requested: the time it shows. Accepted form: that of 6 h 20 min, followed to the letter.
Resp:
12 h 47 min
